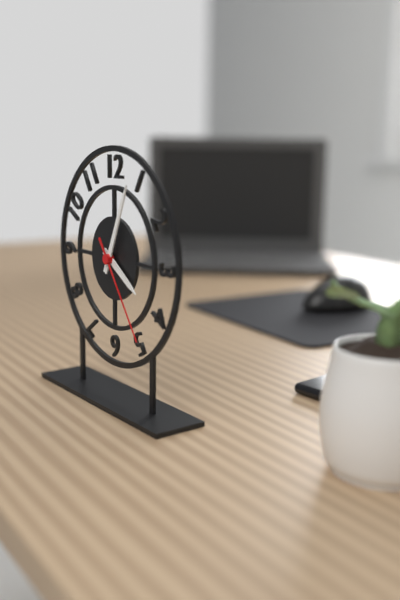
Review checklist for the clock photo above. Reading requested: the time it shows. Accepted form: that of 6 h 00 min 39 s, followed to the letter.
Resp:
4 h 04 min 24 s
